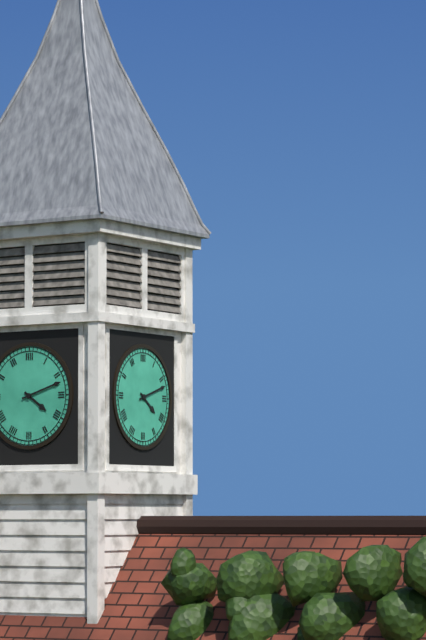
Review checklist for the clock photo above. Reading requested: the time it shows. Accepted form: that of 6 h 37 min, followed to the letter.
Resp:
4 h 12 min
